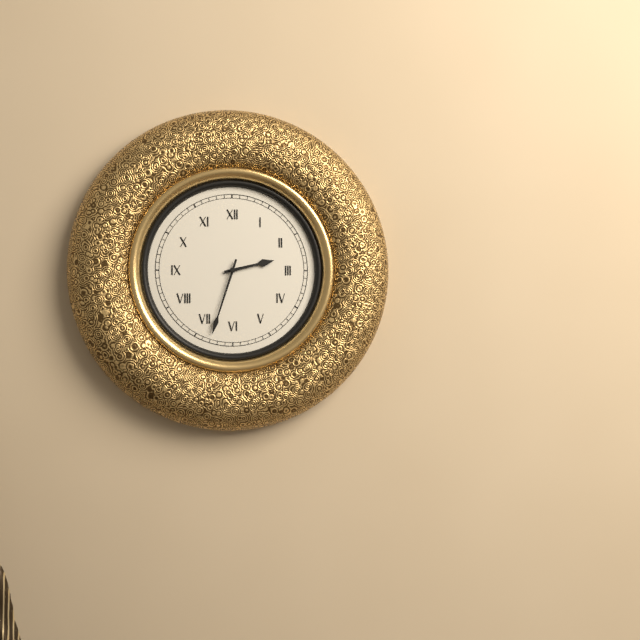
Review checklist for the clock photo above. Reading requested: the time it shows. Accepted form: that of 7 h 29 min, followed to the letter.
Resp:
2 h 33 min
